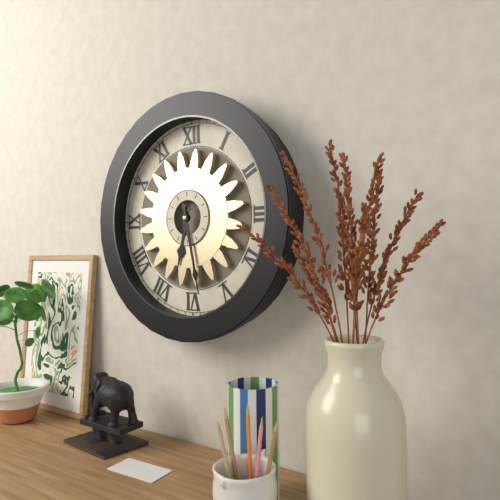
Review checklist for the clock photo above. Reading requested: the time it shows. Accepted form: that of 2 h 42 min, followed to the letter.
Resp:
6 h 28 min
